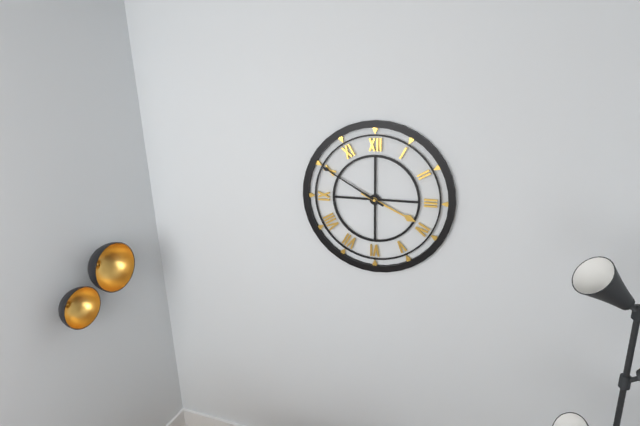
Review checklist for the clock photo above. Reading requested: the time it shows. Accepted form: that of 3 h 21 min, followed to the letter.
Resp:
3 h 50 min
